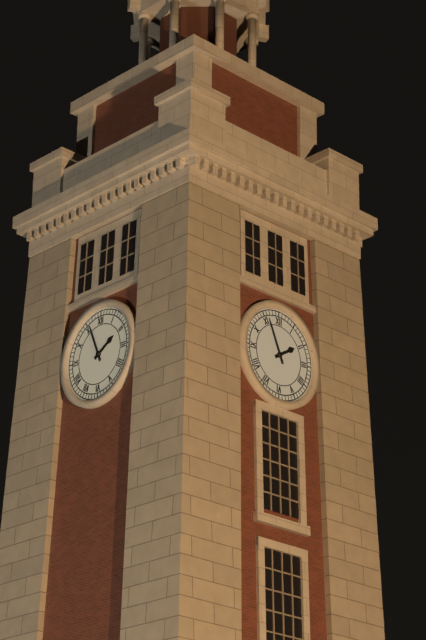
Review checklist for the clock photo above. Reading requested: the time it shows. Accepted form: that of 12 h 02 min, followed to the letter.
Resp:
1 h 56 min
